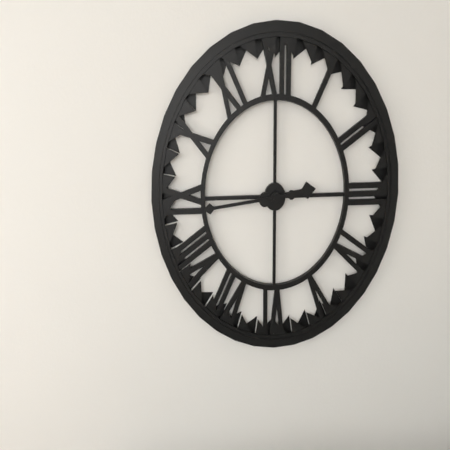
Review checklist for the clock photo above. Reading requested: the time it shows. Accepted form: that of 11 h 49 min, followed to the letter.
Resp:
2 h 44 min
